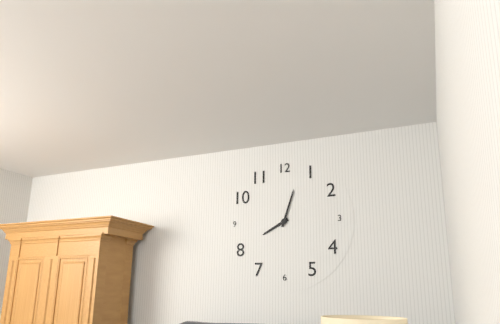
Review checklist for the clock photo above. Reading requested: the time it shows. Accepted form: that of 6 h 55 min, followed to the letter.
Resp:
8 h 03 min
